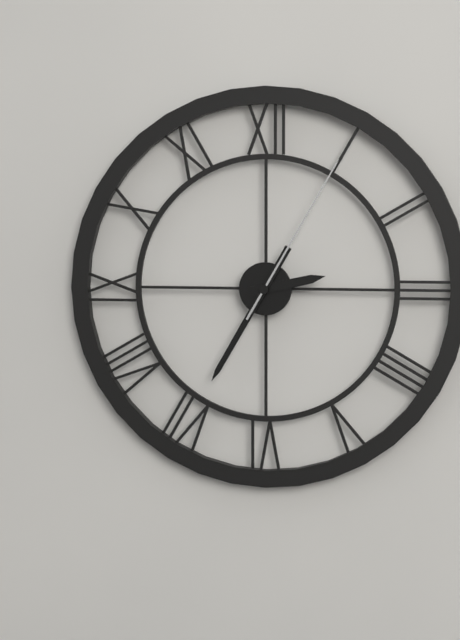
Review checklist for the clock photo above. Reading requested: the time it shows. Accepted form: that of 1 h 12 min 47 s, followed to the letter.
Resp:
2 h 35 min 05 s
